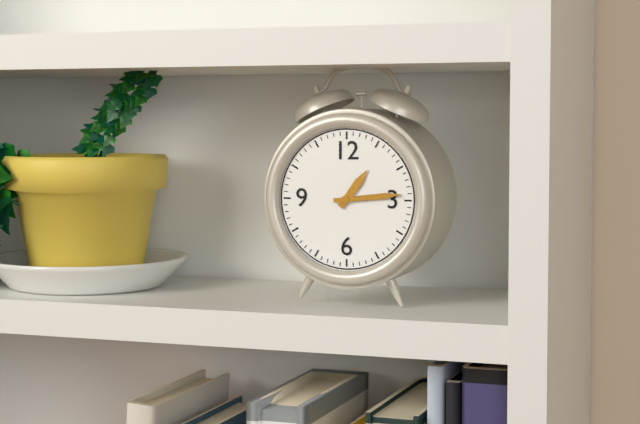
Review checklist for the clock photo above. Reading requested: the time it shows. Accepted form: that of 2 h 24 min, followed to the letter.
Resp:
1 h 14 min
